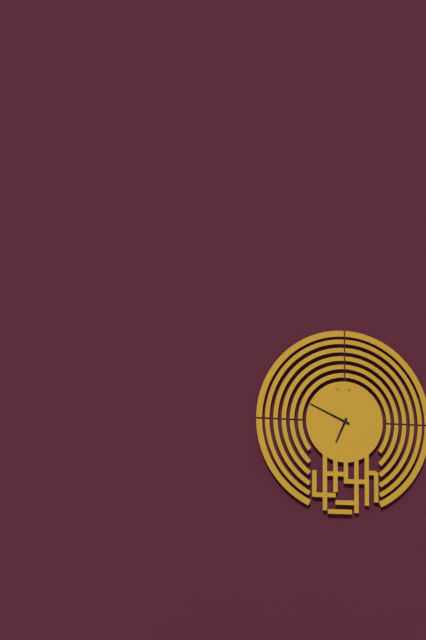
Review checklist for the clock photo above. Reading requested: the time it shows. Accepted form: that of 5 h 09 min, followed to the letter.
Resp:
6 h 49 min
